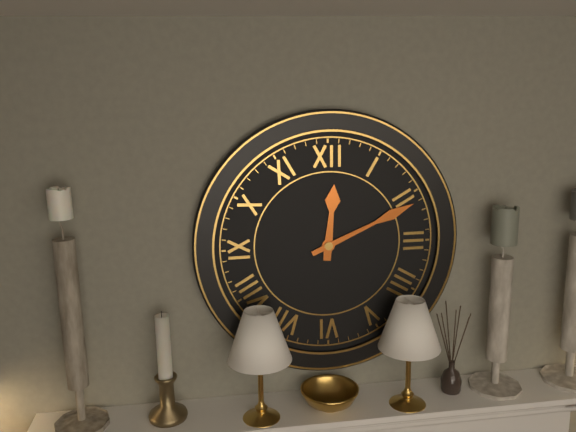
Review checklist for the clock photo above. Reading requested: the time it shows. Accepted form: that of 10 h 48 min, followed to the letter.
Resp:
12 h 11 min
